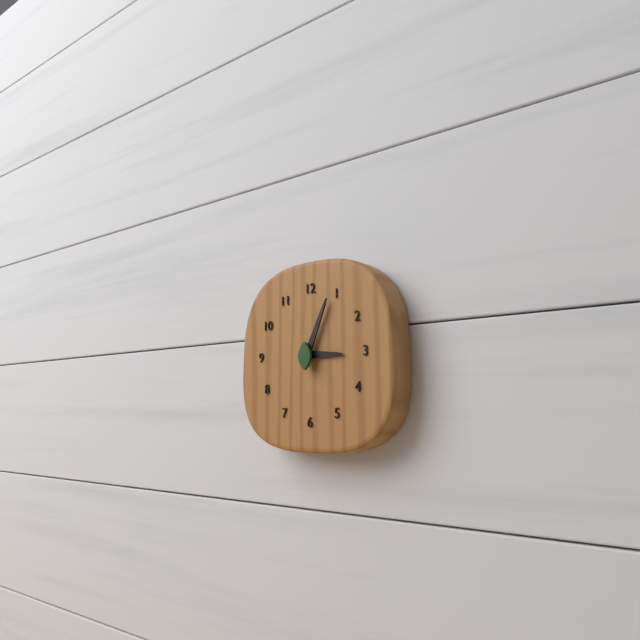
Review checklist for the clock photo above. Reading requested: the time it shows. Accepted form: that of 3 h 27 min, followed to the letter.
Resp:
3 h 04 min
